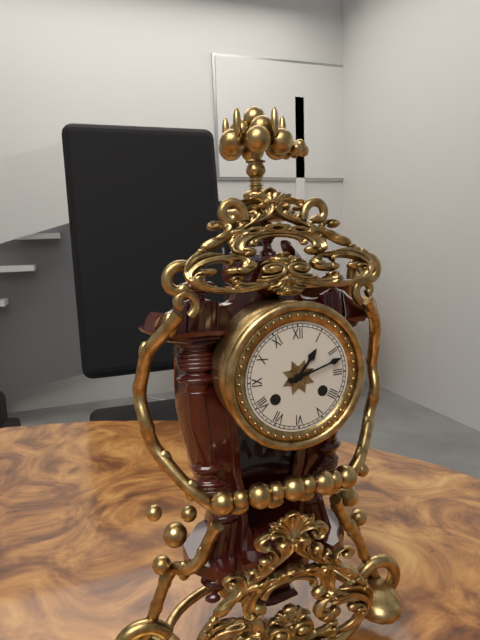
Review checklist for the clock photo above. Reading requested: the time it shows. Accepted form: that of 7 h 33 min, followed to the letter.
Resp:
1 h 12 min
